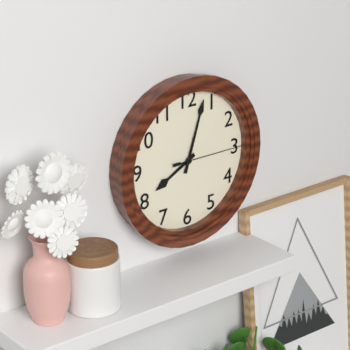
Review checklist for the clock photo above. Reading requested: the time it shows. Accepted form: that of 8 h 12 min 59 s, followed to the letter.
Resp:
8 h 03 min 15 s
